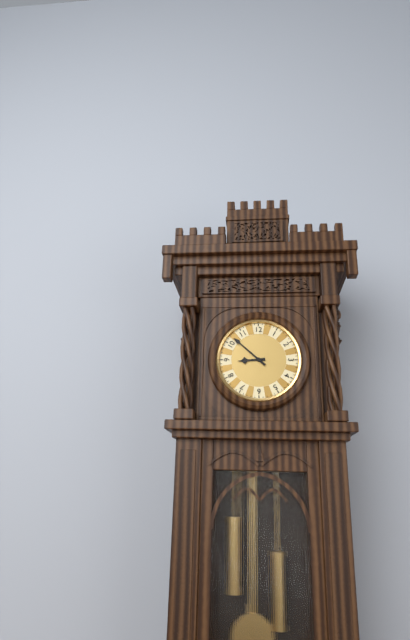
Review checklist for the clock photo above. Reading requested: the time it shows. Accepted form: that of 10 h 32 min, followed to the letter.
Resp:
8 h 52 min
